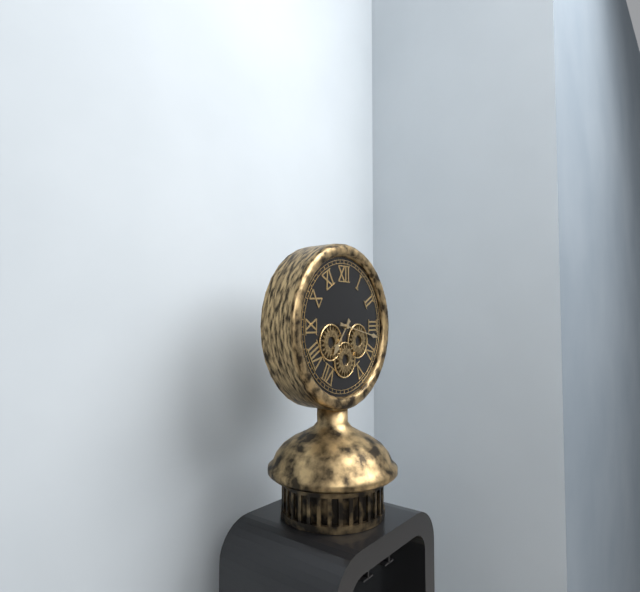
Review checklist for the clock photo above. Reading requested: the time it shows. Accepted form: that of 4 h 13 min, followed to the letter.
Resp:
7 h 17 min
